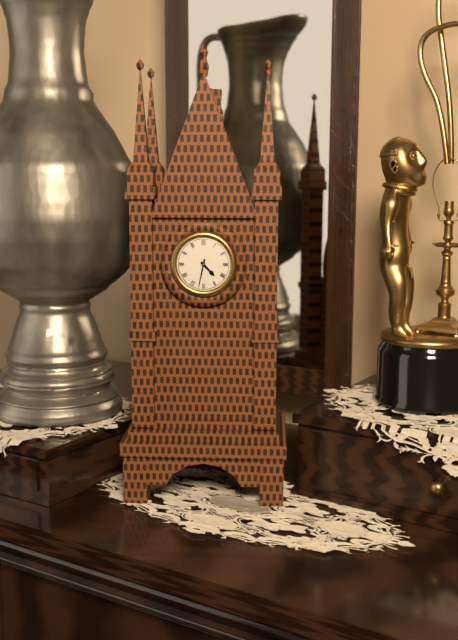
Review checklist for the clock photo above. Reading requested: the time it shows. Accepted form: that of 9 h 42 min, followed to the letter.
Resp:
4 h 32 min
